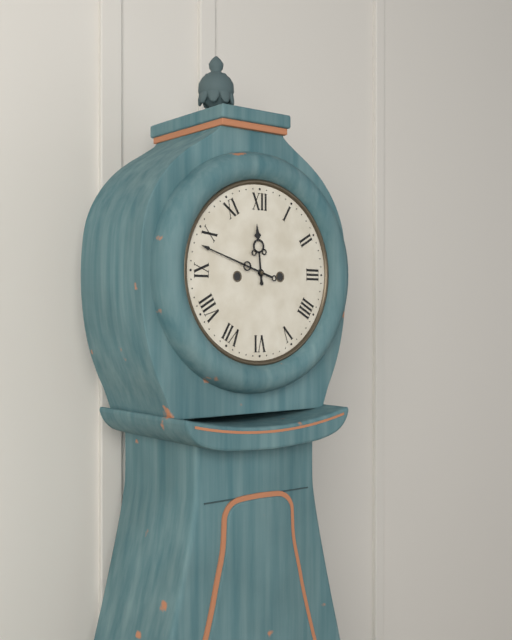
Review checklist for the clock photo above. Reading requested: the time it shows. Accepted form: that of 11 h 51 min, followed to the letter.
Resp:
11 h 48 min
